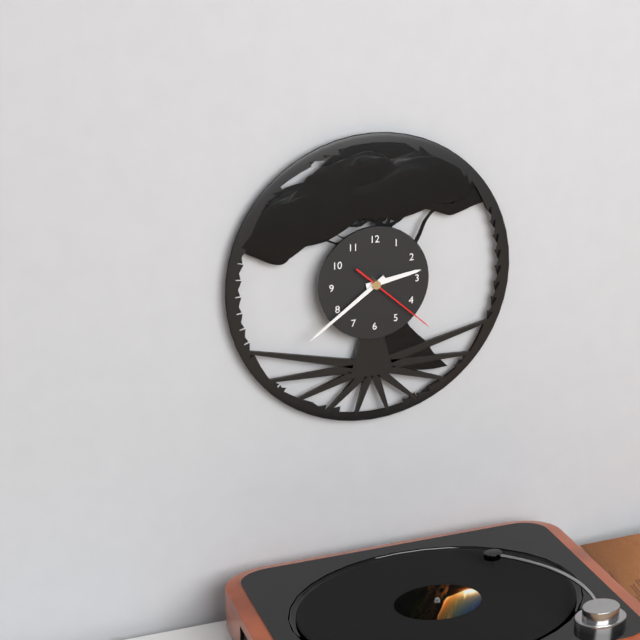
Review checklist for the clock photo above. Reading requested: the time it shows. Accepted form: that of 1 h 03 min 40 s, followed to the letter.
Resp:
2 h 39 min 22 s
